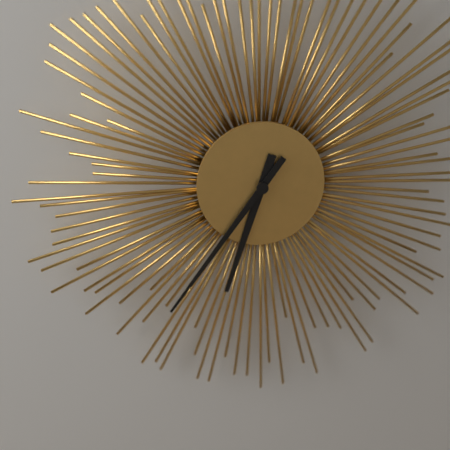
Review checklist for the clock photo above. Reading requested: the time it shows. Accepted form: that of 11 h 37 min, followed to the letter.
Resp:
6 h 36 min
